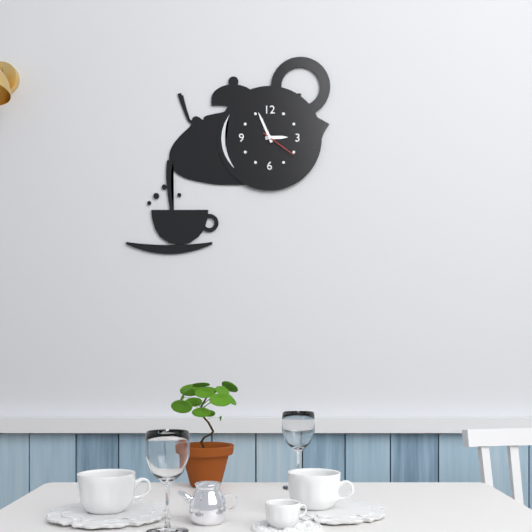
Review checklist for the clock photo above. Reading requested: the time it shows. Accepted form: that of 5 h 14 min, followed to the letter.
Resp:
2 h 56 min
